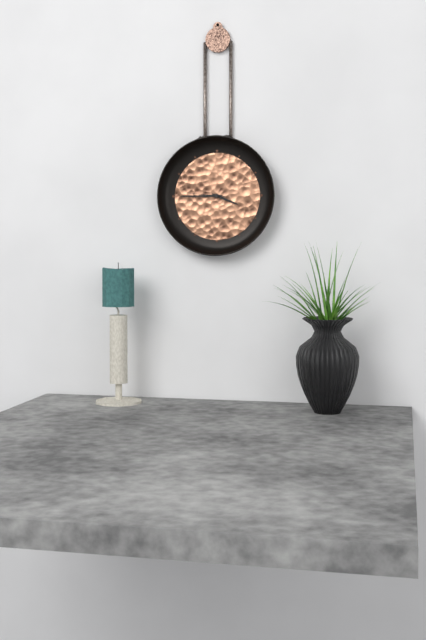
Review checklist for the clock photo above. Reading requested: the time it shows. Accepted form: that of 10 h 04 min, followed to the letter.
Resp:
3 h 45 min
